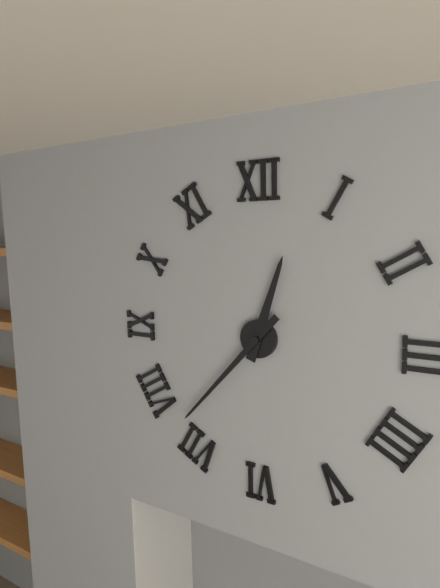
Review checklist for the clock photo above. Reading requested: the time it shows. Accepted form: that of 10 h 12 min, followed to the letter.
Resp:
12 h 37 min
